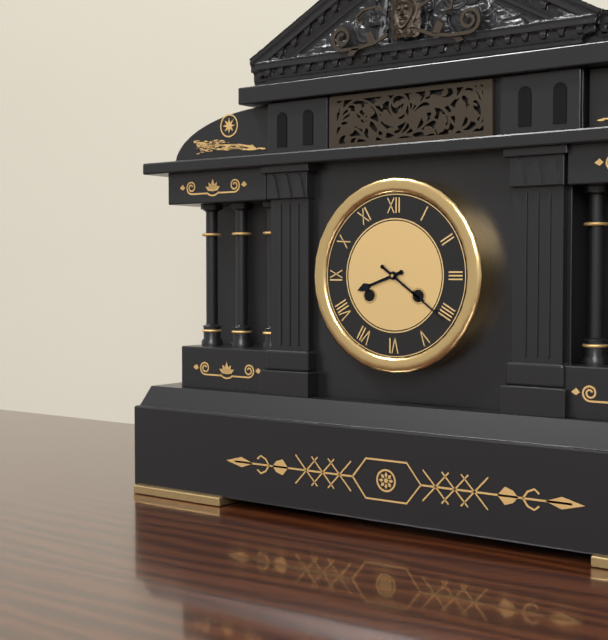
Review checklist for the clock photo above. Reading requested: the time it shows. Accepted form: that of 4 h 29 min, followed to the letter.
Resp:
8 h 21 min
